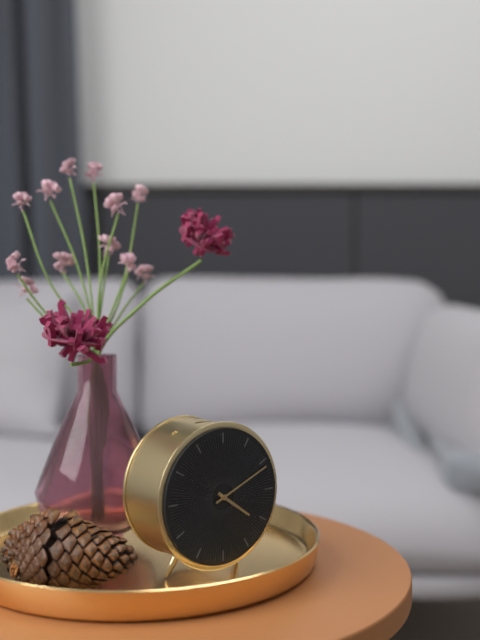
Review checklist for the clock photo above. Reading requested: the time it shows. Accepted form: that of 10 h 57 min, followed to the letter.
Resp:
4 h 11 min
